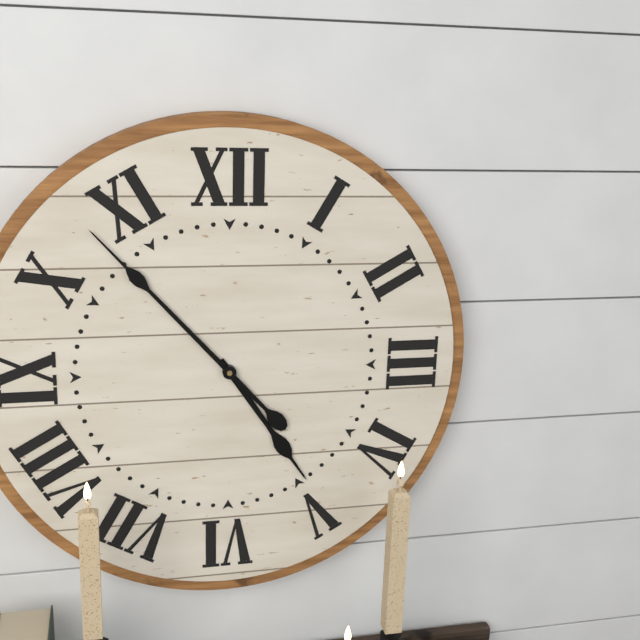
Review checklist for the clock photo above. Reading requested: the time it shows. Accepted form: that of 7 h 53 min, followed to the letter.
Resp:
4 h 53 min
